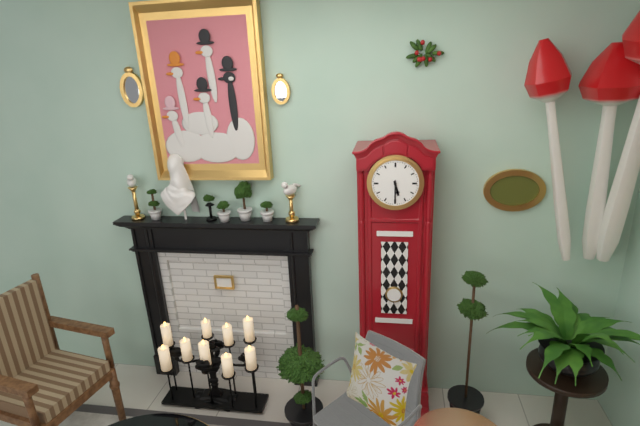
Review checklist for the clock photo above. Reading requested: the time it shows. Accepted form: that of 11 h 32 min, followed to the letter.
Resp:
5 h 30 min
